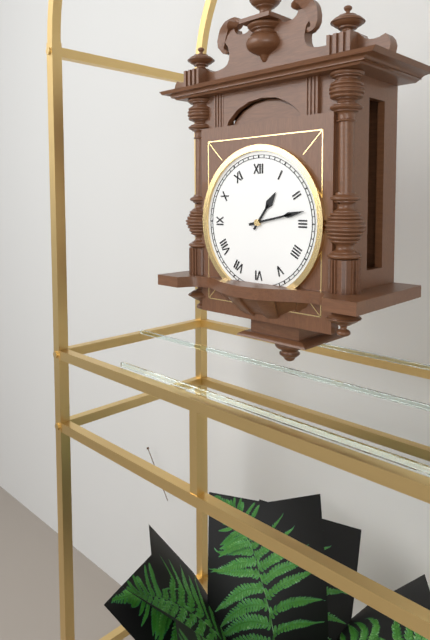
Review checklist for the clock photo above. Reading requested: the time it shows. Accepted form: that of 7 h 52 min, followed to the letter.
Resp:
1 h 13 min
